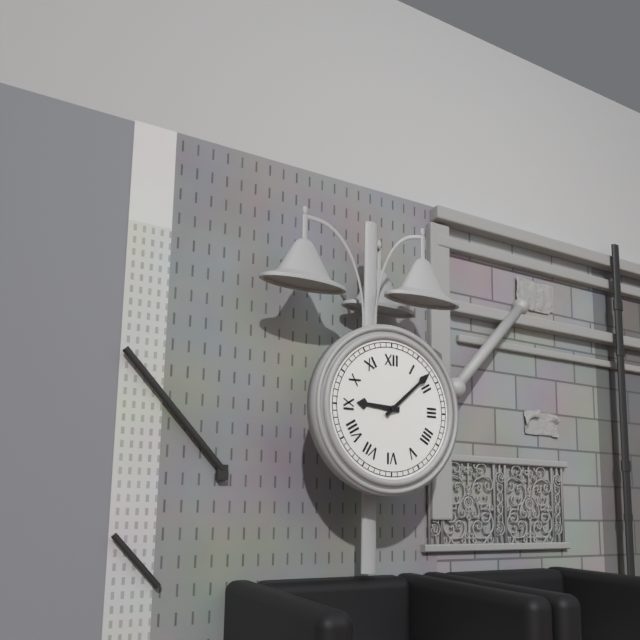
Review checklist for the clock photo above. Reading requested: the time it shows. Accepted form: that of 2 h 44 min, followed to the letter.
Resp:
9 h 08 min
